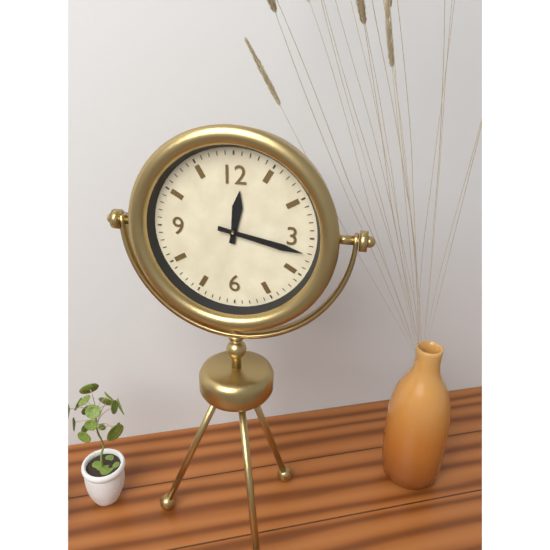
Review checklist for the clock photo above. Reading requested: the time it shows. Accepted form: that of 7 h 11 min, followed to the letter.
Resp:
12 h 17 min
